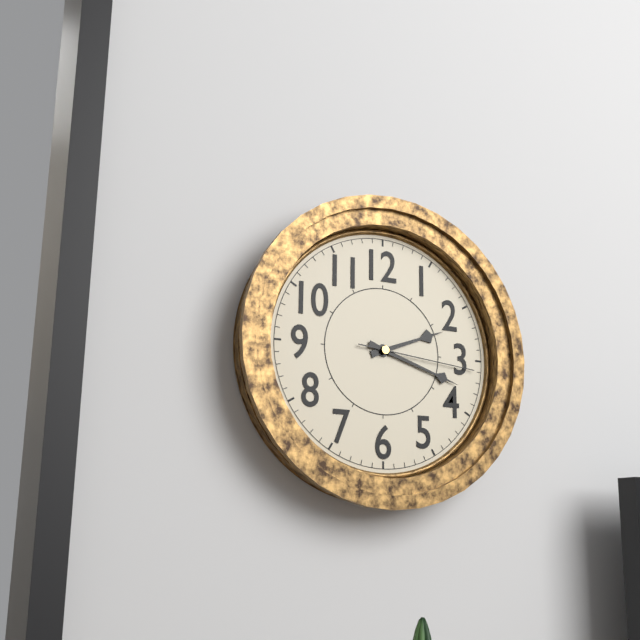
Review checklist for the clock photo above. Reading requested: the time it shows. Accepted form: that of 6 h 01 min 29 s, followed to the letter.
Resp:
2 h 18 min 16 s
